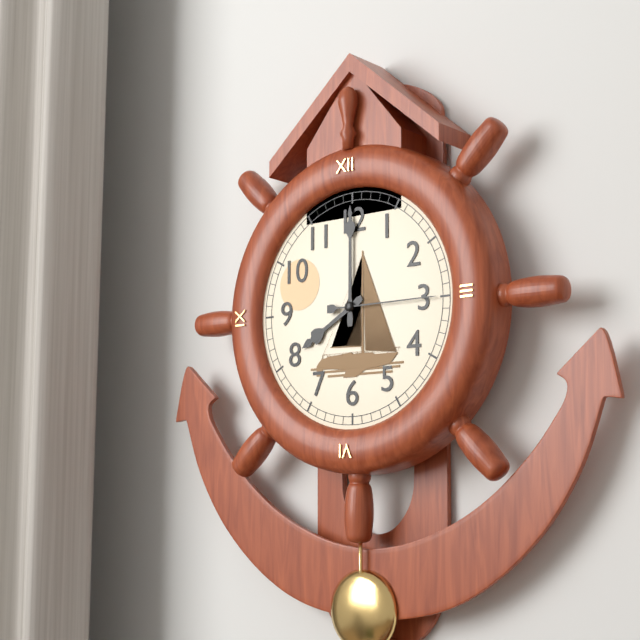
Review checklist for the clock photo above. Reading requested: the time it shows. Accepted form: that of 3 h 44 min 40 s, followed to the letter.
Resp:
8 h 00 min 15 s
